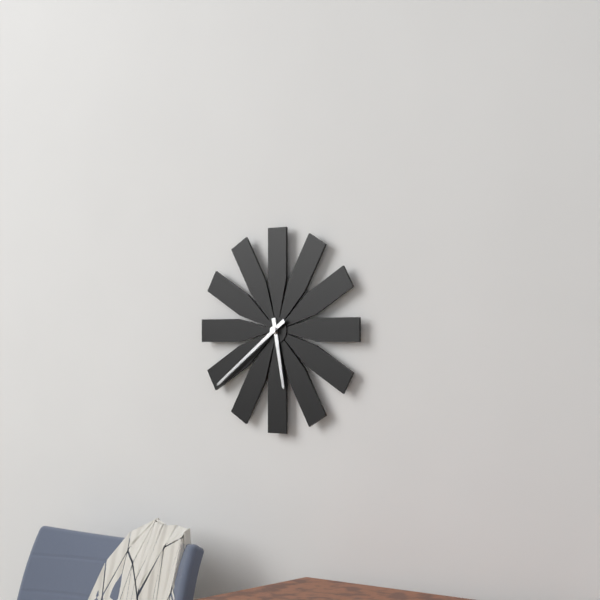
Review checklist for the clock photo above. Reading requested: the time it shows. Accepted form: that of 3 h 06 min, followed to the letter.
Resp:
5 h 39 min
